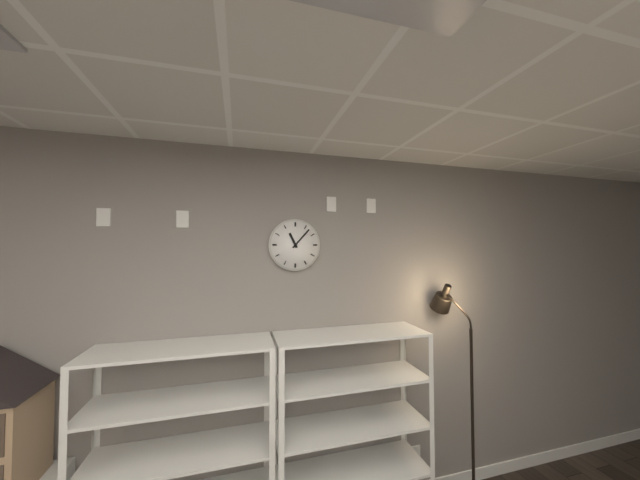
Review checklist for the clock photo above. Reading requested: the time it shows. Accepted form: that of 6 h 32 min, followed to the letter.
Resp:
11 h 07 min
